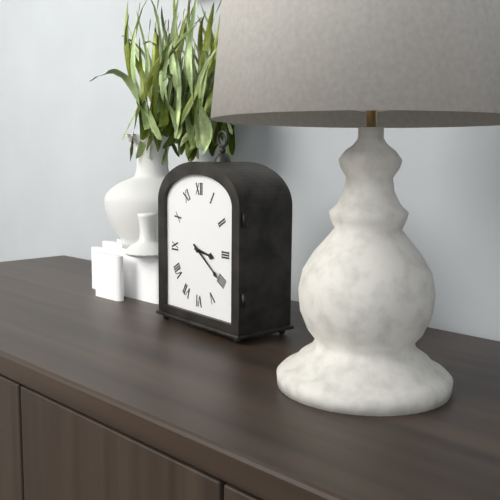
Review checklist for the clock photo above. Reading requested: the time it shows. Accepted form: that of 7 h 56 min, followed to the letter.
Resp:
3 h 21 min
